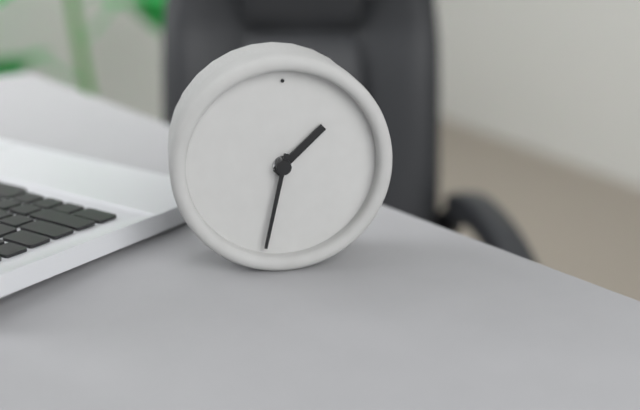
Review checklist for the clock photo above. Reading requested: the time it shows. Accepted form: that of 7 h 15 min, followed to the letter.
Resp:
1 h 32 min
